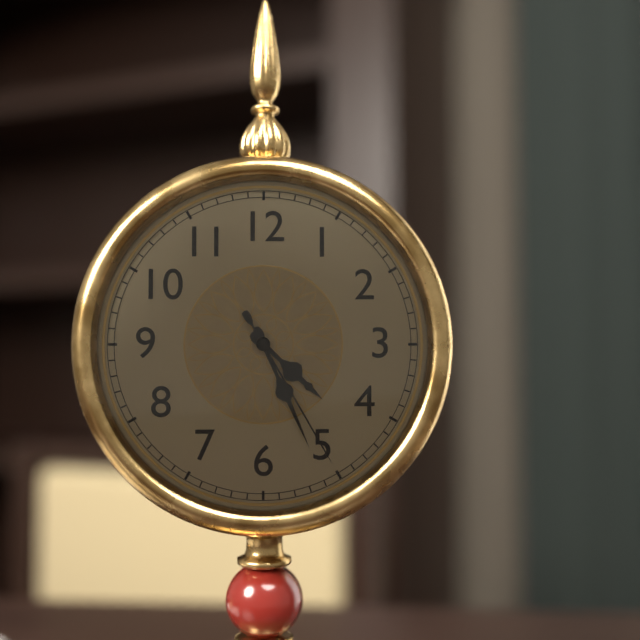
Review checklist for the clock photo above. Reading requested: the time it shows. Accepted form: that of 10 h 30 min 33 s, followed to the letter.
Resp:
4 h 26 min 25 s
